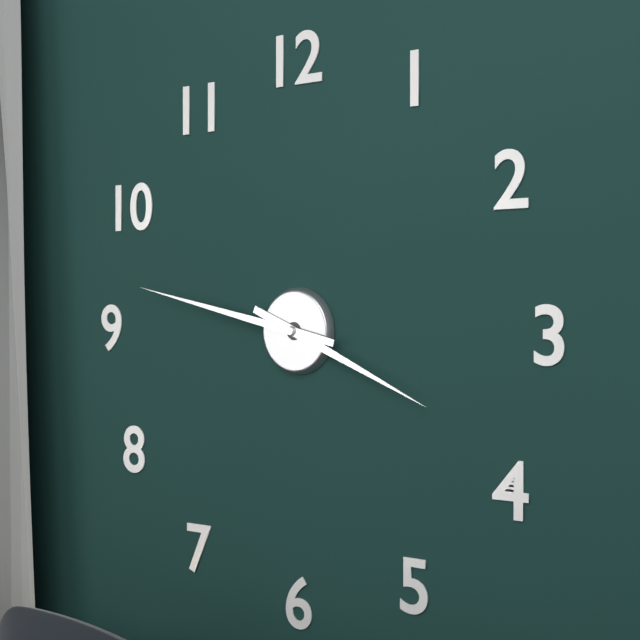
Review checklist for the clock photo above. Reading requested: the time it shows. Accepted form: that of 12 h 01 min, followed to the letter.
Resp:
3 h 47 min
